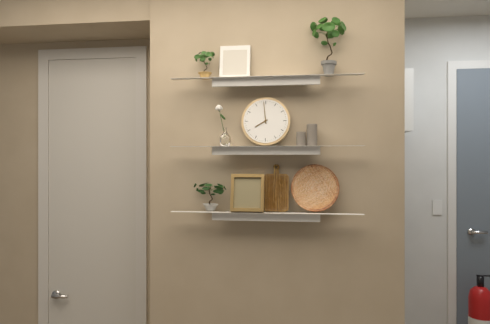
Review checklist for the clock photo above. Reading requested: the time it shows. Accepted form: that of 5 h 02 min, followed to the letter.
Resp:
7 h 59 min
